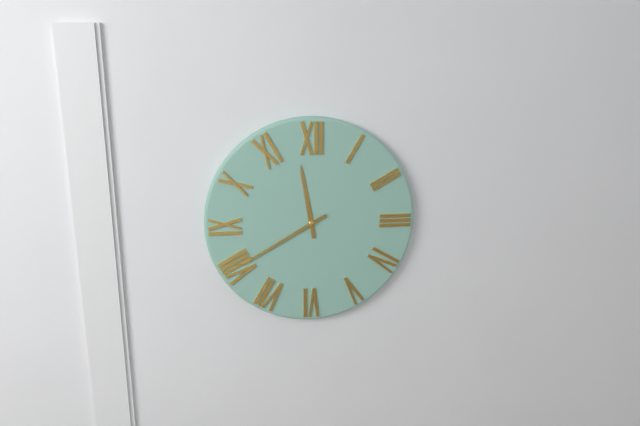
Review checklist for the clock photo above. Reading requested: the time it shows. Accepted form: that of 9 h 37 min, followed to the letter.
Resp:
11 h 40 min
